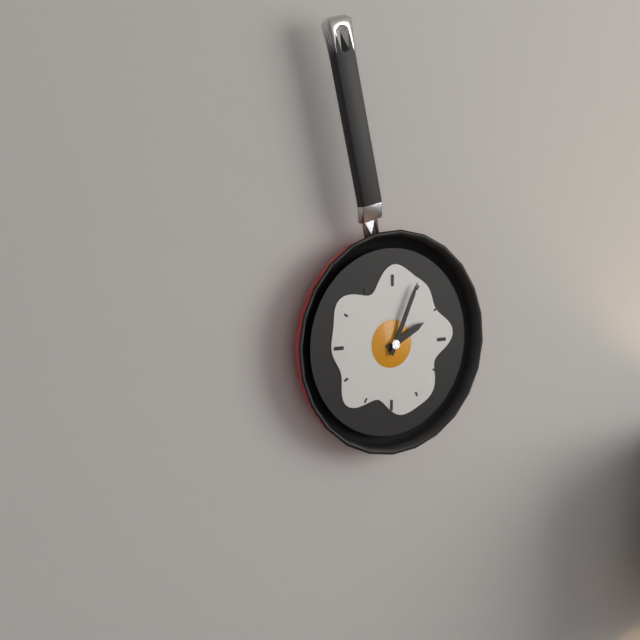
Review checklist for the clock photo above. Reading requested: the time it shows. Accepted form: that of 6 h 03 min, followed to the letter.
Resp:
2 h 04 min
